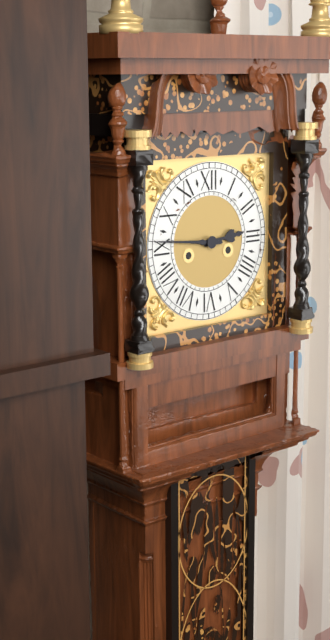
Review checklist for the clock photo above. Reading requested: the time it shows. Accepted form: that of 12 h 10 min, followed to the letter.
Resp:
2 h 46 min
